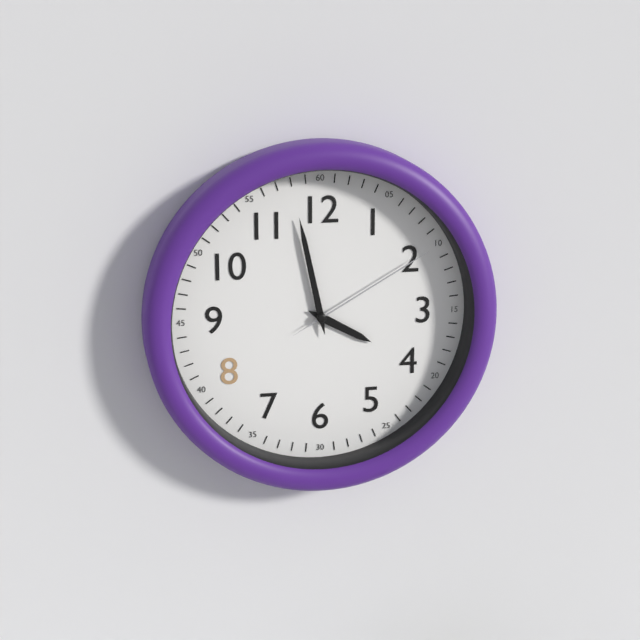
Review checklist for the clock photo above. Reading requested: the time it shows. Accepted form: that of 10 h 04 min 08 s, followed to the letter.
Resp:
3 h 58 min 10 s
